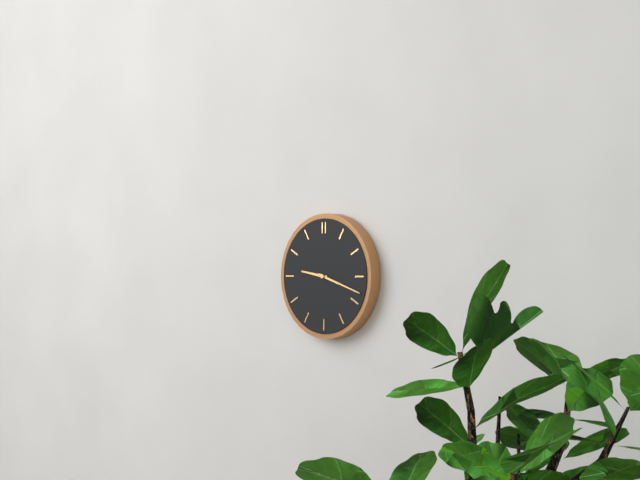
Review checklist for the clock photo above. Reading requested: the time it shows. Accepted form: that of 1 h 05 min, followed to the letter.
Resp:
9 h 18 min
